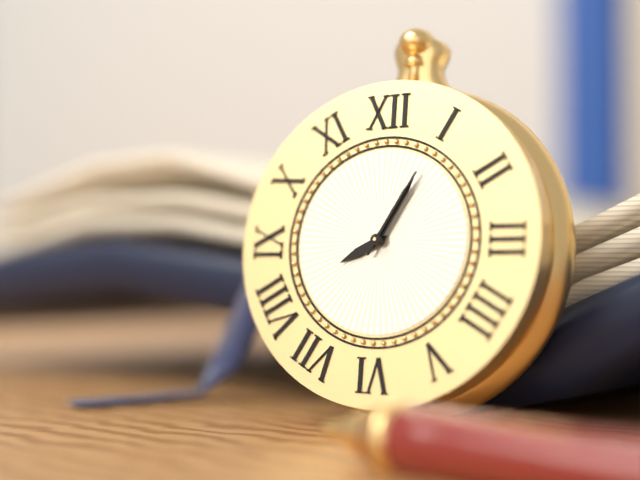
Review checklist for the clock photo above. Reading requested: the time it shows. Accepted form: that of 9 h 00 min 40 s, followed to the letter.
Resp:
8 h 05 min 05 s
